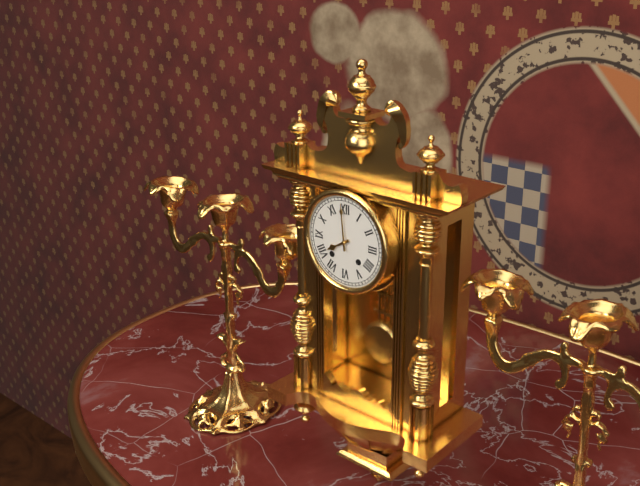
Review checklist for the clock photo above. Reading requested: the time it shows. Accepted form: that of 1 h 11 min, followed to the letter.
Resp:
7 h 59 min
